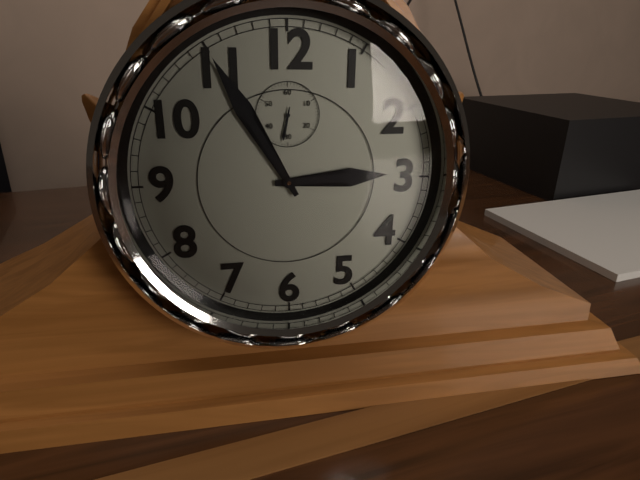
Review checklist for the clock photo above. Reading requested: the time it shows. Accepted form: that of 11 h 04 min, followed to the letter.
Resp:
2 h 55 min
